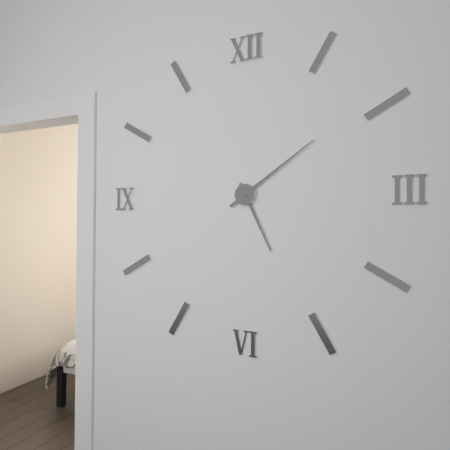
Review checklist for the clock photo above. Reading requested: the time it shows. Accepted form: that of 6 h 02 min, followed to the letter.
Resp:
5 h 09 min
